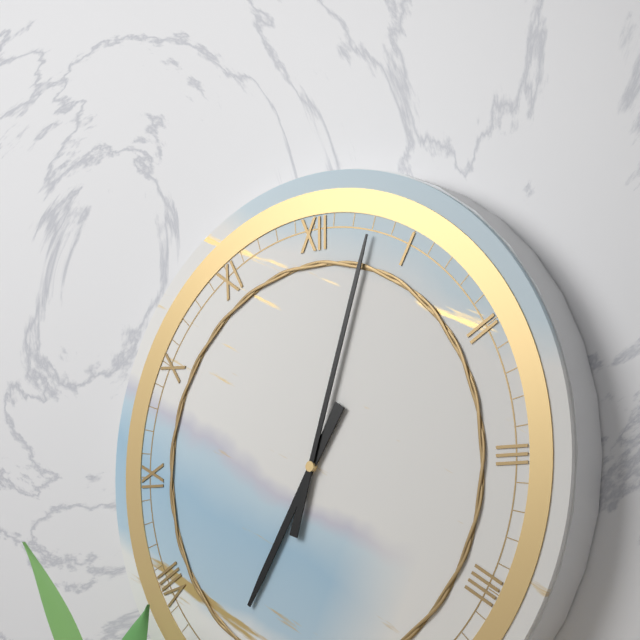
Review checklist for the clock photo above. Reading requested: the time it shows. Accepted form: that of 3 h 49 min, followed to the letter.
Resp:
7 h 03 min
